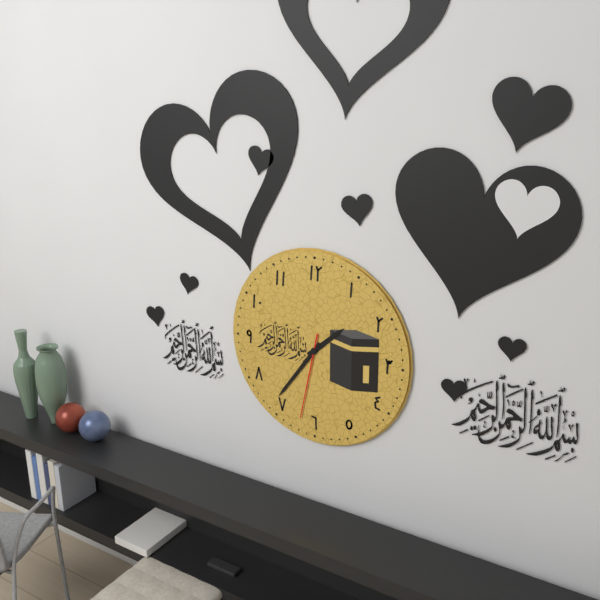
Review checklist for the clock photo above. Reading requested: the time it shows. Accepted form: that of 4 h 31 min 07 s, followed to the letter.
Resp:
1 h 36 min 32 s
